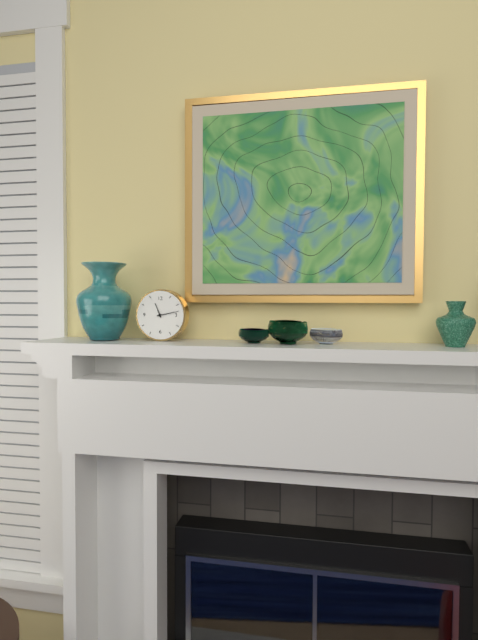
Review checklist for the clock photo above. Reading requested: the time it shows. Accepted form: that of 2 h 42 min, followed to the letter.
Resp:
11 h 13 min
